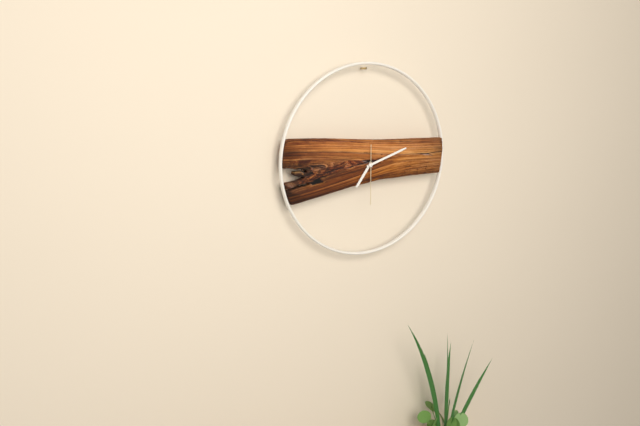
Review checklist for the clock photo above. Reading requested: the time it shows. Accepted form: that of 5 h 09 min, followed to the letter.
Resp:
7 h 12 min
